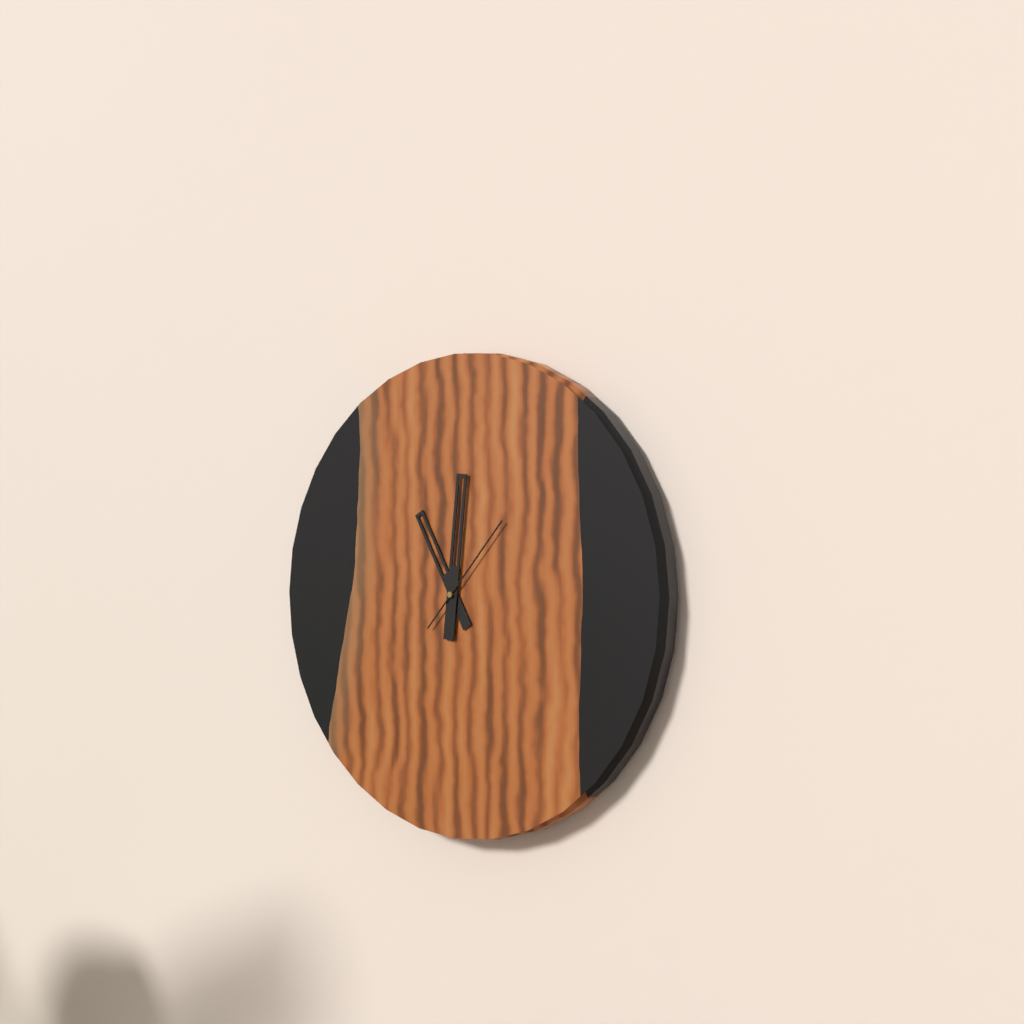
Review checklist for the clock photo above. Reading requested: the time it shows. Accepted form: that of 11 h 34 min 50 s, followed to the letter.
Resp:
11 h 01 min 07 s
